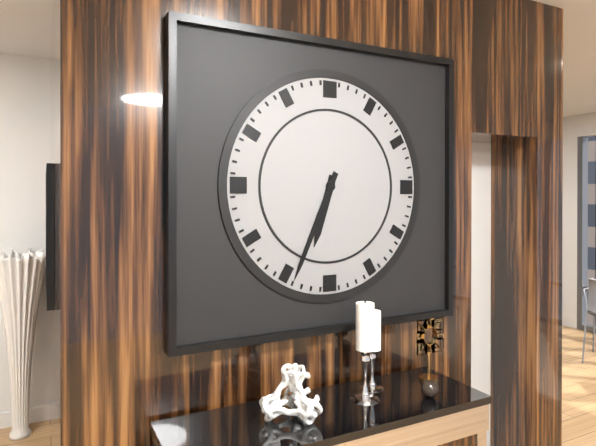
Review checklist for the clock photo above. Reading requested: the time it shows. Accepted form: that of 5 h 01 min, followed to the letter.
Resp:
6 h 34 min
